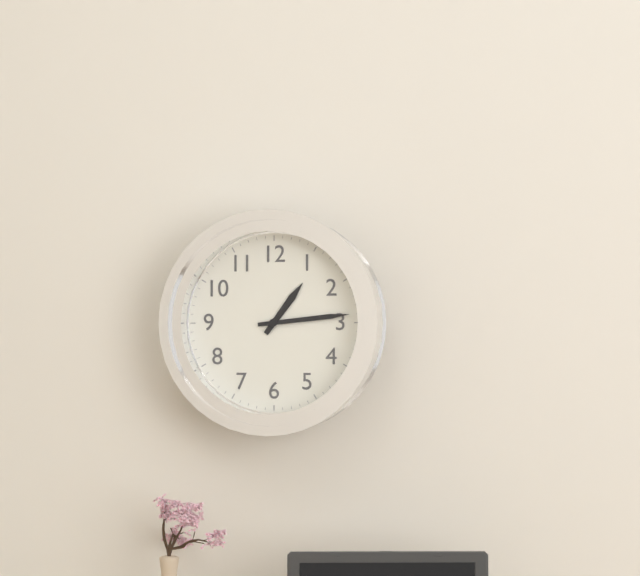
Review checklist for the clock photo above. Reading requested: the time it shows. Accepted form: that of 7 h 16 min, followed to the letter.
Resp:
1 h 14 min
